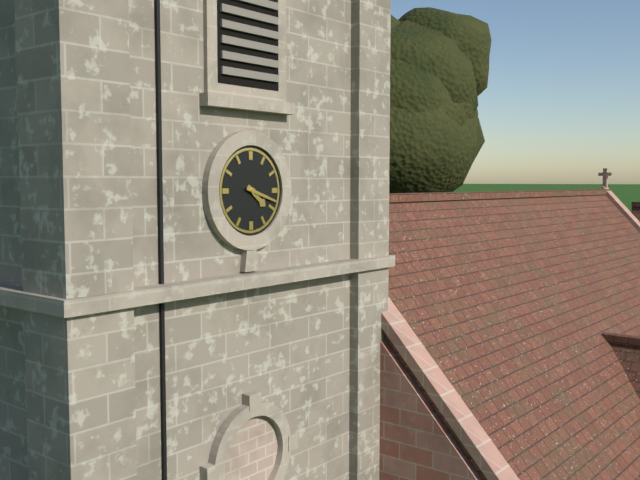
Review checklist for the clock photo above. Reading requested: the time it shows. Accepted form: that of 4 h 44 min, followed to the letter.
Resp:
4 h 18 min
